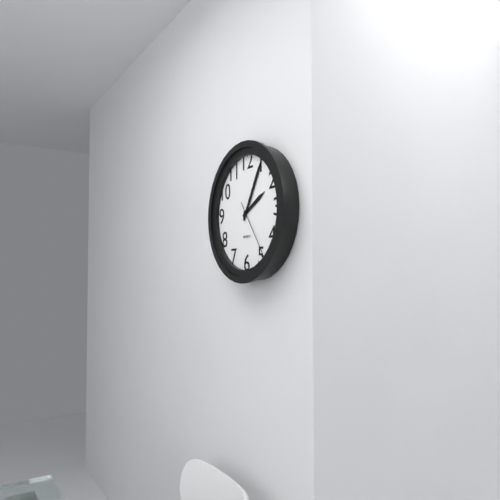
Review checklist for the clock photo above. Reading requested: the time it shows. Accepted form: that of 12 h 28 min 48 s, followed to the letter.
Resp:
2 h 05 min 24 s
